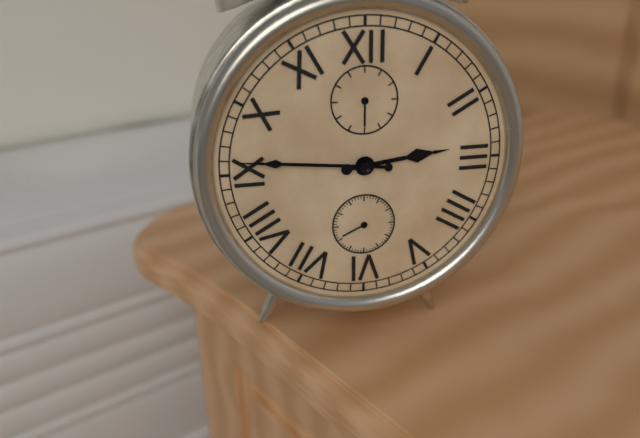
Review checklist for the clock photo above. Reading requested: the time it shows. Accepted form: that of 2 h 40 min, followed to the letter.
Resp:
2 h 46 min
